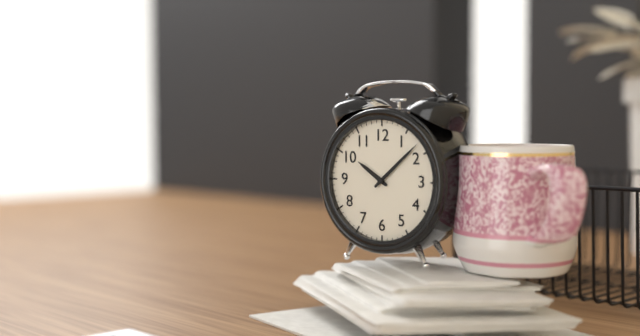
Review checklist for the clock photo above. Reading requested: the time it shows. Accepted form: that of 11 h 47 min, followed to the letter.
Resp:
10 h 08 min
